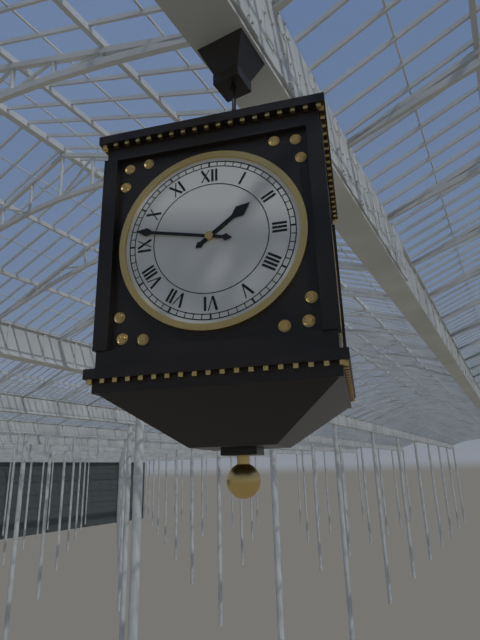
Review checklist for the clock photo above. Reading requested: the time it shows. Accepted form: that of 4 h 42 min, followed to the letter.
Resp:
1 h 47 min
